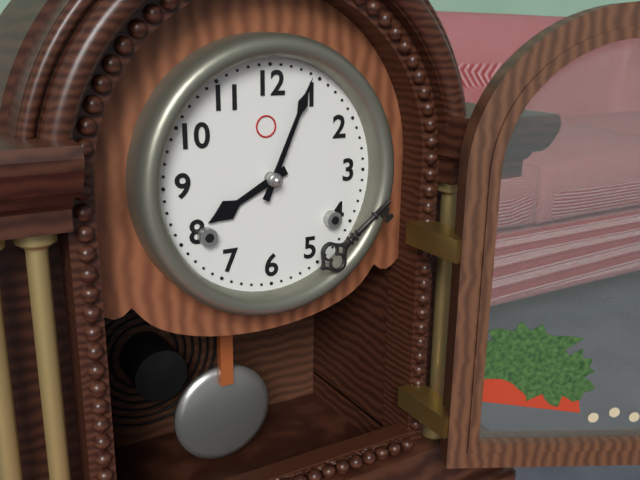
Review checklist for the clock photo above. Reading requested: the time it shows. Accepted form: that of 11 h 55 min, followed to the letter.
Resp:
8 h 04 min
